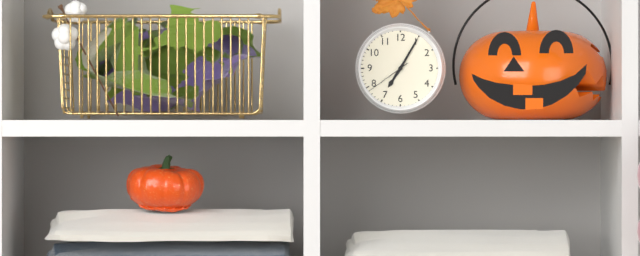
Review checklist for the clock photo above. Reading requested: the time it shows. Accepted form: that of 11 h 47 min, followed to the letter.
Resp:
7 h 05 min
